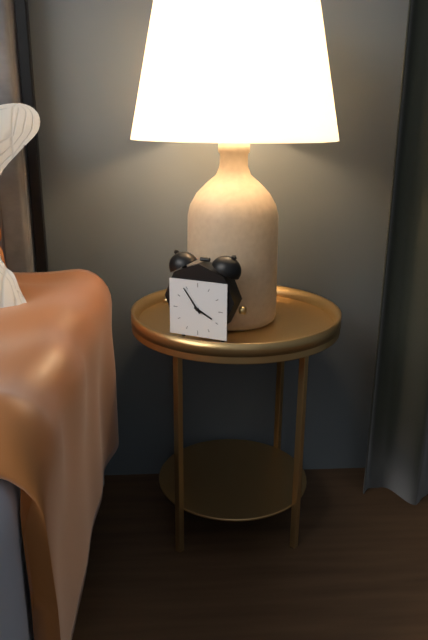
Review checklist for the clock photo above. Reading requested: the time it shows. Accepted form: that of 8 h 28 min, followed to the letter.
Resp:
3 h 54 min
